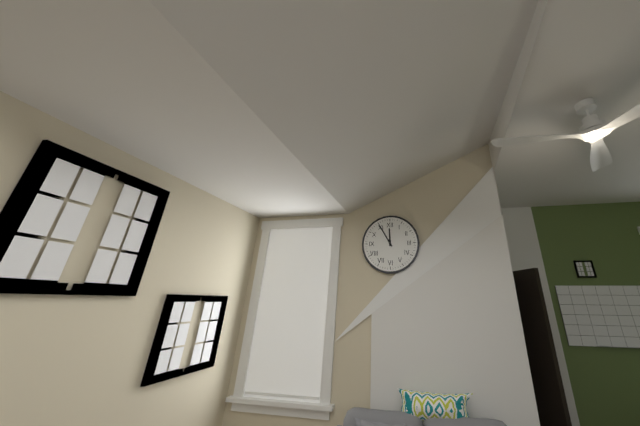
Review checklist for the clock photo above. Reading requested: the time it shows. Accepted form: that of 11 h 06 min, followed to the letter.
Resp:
11 h 55 min
